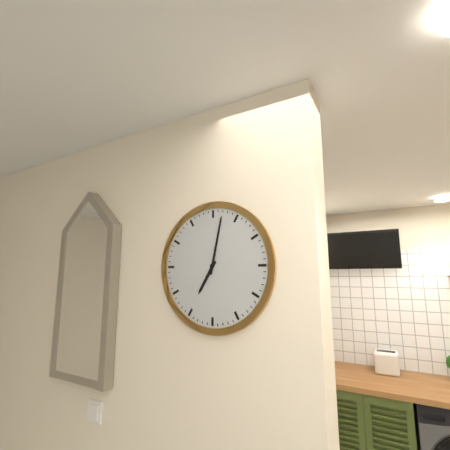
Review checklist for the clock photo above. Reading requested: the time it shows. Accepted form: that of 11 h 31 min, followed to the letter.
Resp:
7 h 02 min
